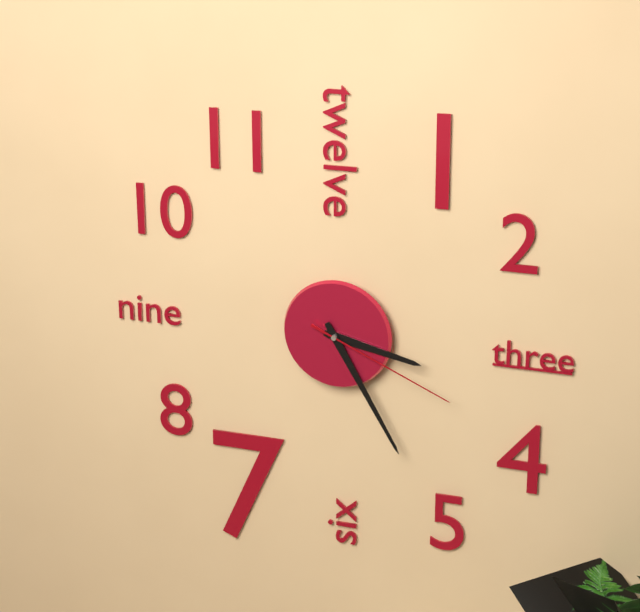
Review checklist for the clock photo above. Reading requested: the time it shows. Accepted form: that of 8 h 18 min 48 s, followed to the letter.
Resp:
3 h 25 min 19 s
